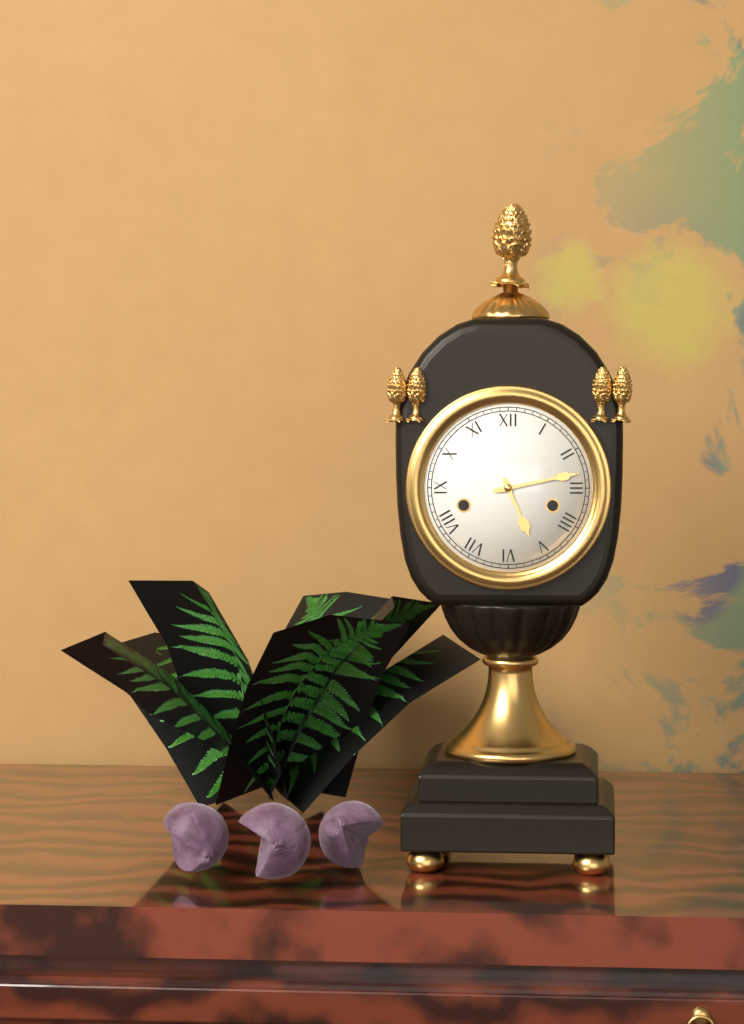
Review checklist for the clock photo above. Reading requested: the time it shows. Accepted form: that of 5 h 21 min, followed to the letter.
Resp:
5 h 13 min
